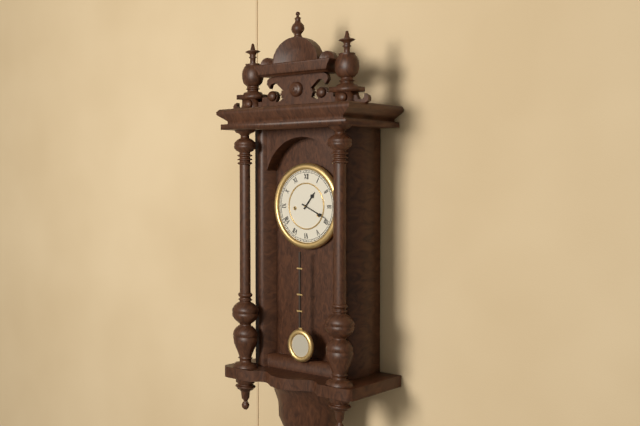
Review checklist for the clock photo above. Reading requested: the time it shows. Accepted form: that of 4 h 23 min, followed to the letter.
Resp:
1 h 19 min
